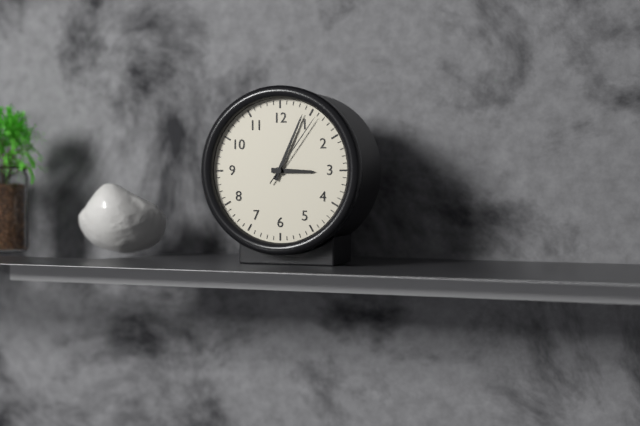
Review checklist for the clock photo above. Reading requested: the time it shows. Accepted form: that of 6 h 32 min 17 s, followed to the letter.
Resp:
3 h 04 min 06 s
